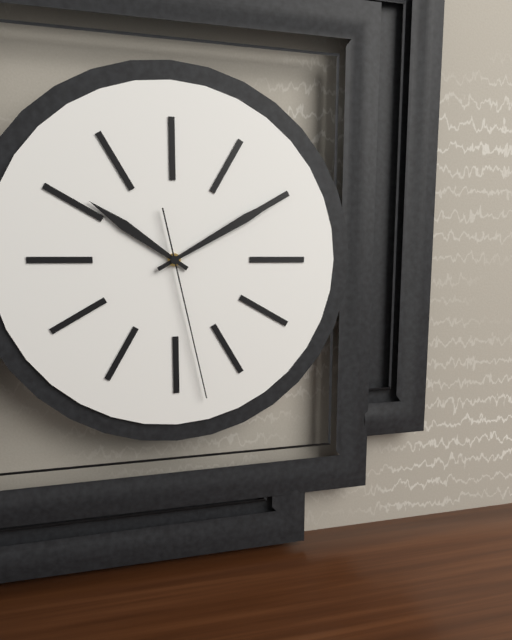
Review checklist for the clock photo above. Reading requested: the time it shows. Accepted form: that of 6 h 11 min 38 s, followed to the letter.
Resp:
10 h 10 min 28 s
